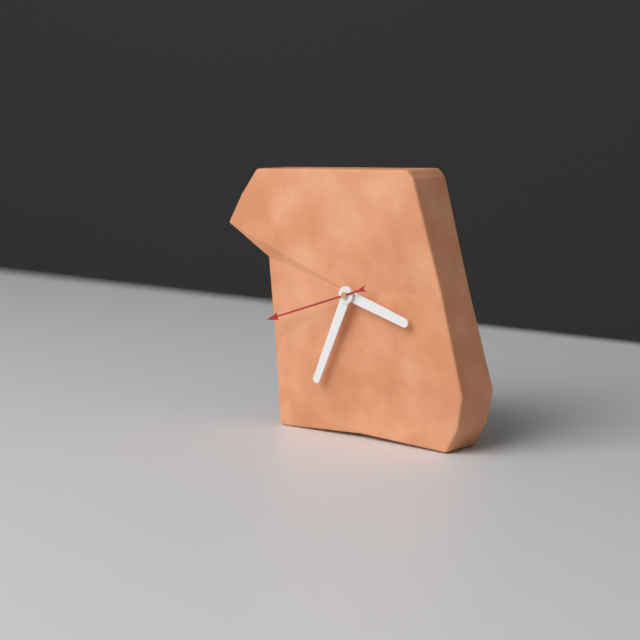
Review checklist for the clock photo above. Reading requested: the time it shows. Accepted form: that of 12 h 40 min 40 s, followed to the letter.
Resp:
3 h 34 min 42 s
